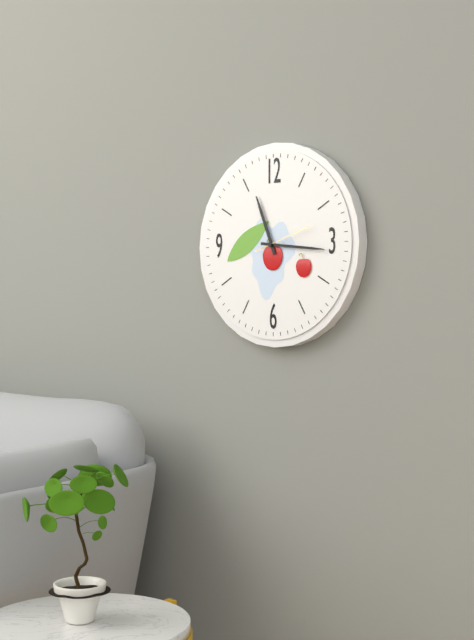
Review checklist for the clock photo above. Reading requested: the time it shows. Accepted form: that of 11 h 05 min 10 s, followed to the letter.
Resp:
11 h 16 min 12 s
